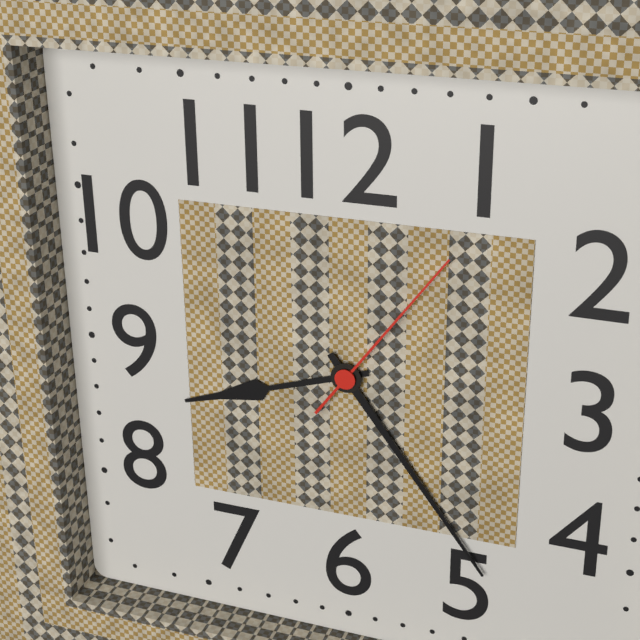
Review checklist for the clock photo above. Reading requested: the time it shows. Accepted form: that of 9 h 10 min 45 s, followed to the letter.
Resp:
8 h 24 min 06 s
